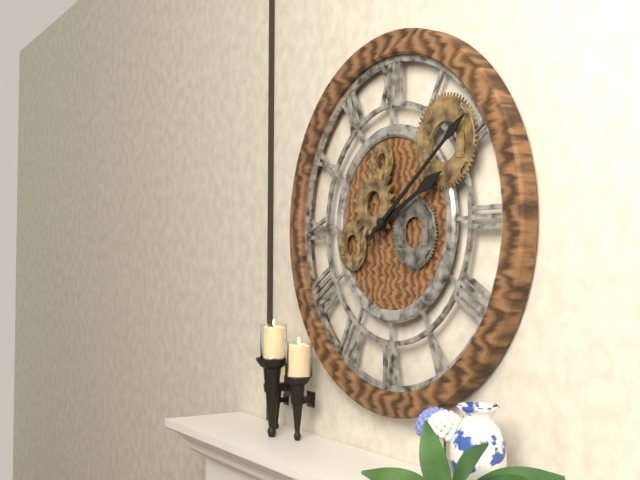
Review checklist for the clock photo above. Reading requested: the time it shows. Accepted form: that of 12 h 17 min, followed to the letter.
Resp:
2 h 09 min
